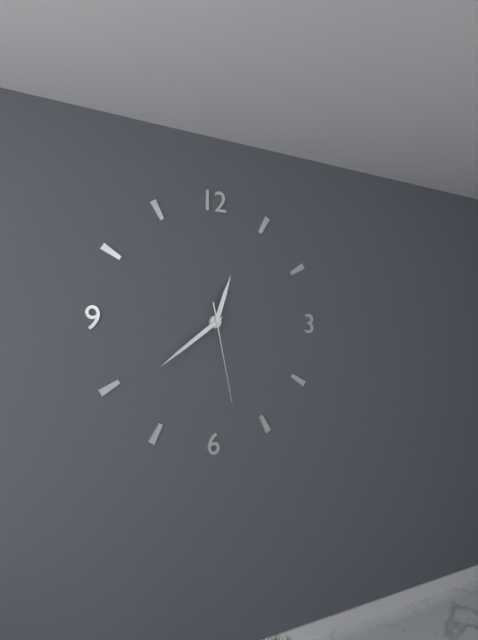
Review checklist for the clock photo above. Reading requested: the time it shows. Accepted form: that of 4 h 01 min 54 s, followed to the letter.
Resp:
12 h 39 min 28 s
